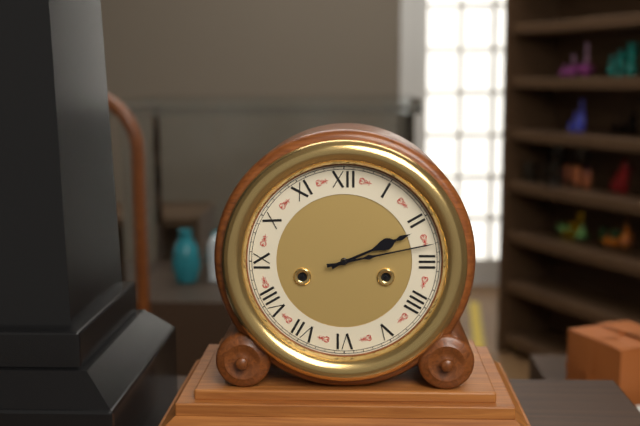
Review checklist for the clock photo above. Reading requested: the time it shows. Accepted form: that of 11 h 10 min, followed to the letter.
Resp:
2 h 13 min
